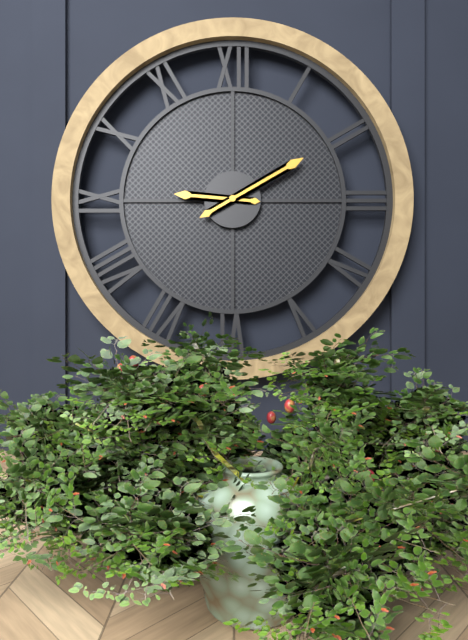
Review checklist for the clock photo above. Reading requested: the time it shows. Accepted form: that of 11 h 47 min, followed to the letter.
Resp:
9 h 10 min
